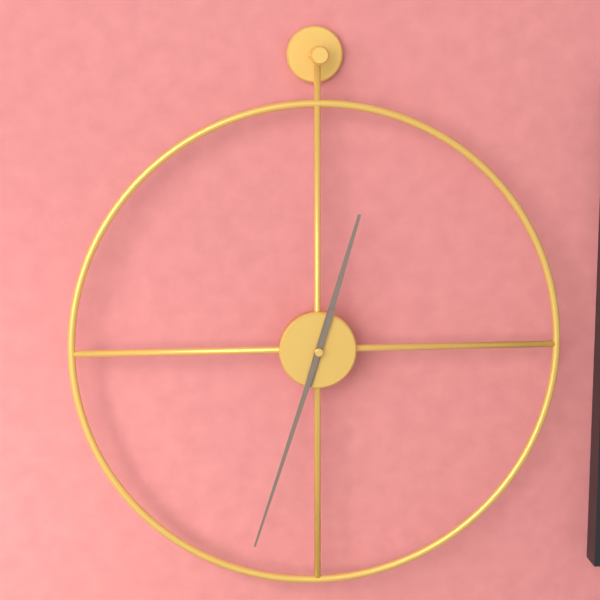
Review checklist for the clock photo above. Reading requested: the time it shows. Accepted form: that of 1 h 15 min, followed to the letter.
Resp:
12 h 33 min
